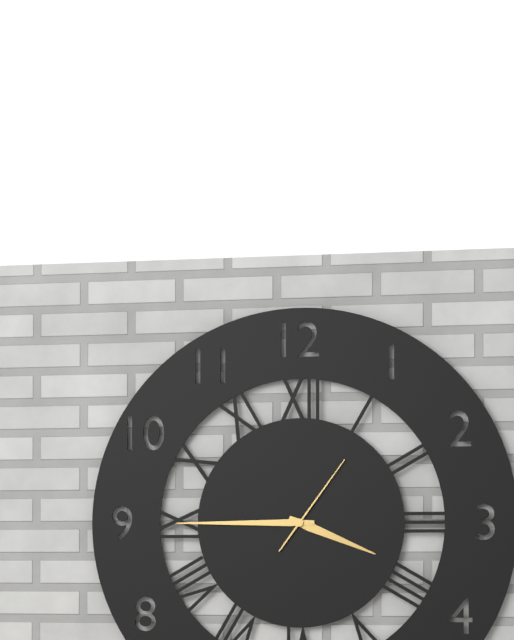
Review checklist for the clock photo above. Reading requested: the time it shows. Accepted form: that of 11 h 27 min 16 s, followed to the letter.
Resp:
3 h 45 min 06 s
